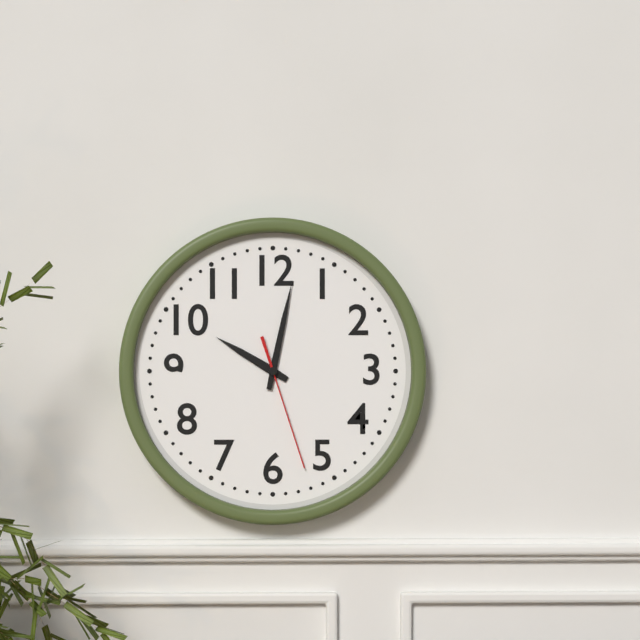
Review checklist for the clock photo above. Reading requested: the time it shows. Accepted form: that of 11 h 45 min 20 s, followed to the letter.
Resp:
10 h 02 min 27 s
